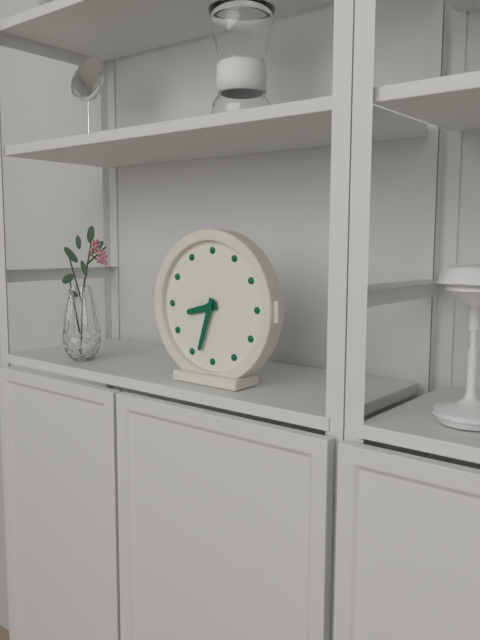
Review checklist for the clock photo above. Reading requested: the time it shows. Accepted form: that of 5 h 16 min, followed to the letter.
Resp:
8 h 33 min
